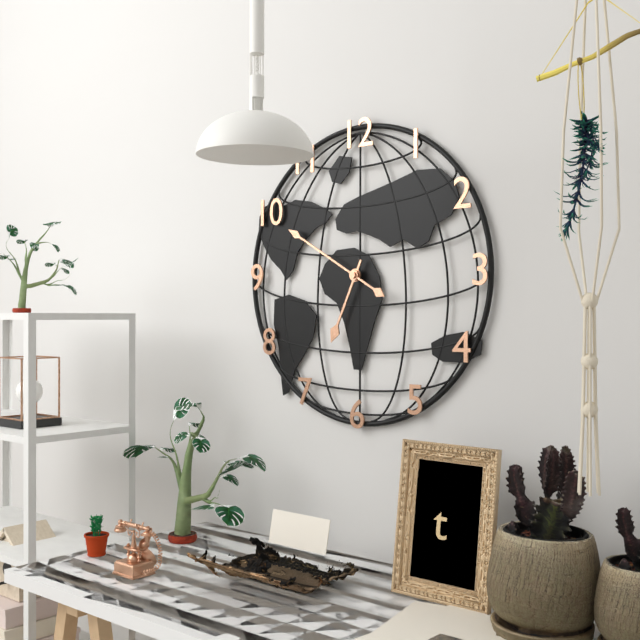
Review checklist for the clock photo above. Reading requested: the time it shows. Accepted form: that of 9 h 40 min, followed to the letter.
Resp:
6 h 50 min
